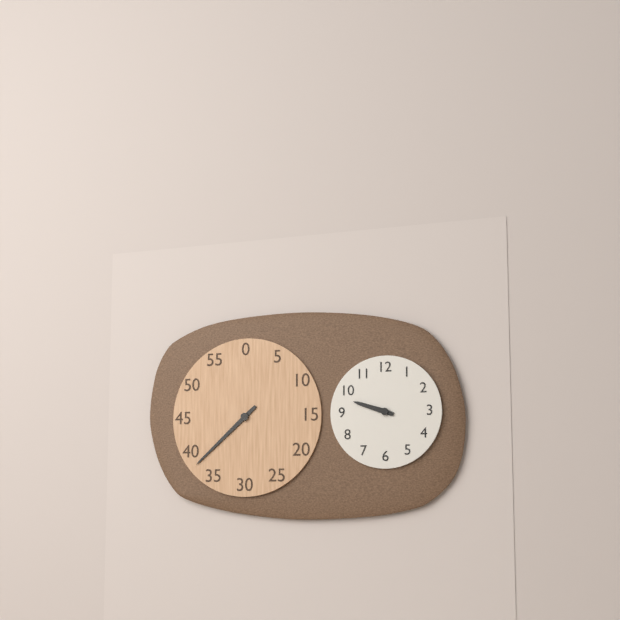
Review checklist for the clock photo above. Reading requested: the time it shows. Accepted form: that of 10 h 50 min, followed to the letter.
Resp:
9 h 38 min
